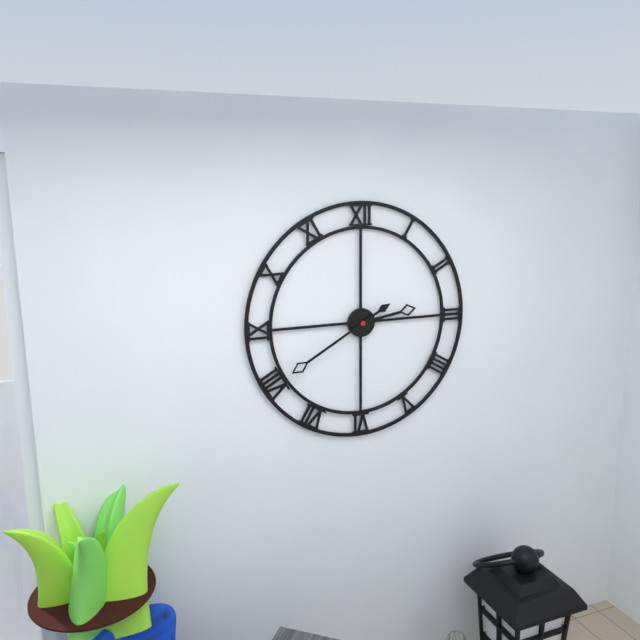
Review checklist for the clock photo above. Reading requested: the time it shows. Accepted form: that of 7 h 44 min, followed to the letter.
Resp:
2 h 40 min
